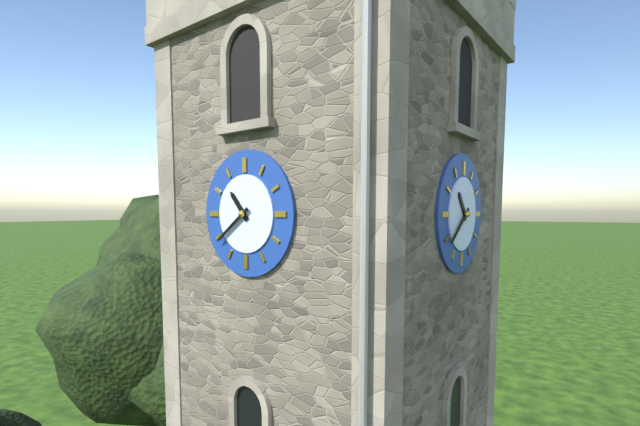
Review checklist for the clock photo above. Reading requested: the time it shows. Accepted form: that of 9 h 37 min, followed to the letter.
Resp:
10 h 39 min
